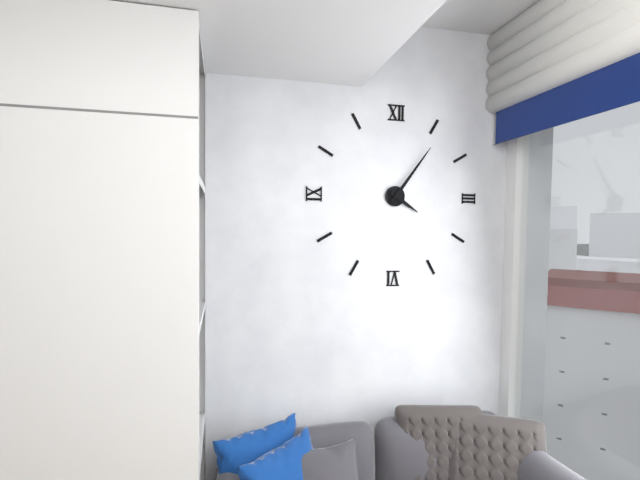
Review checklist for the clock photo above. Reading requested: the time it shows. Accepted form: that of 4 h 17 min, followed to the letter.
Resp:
4 h 06 min
